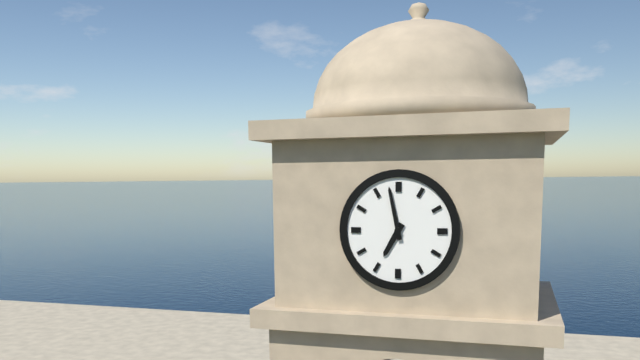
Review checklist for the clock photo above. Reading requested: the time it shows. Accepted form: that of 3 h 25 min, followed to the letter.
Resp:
6 h 58 min
